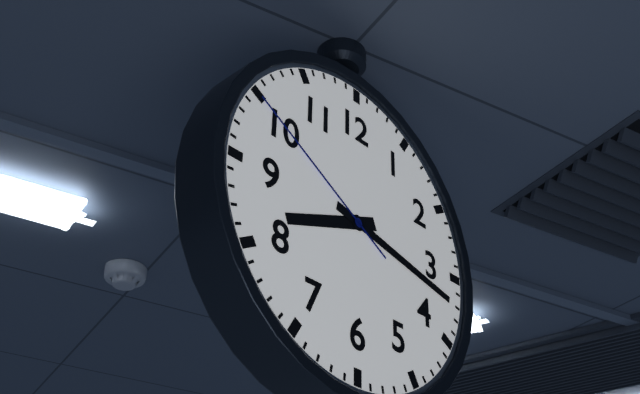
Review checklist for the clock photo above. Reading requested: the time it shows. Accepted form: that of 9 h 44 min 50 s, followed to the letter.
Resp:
8 h 17 min 50 s
